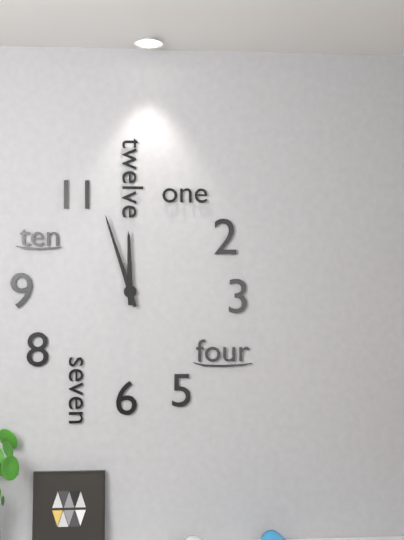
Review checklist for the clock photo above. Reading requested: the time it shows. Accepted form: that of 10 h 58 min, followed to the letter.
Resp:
11 h 57 min
